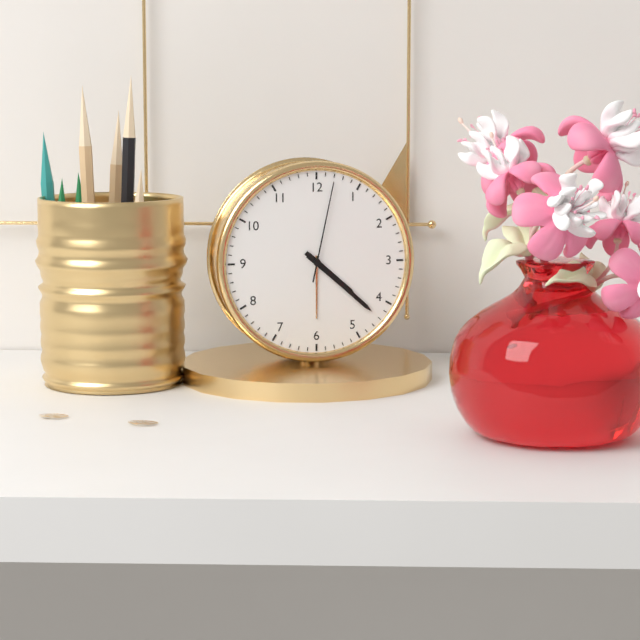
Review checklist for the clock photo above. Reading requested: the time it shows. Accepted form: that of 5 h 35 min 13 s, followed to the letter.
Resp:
4 h 22 min 02 s
